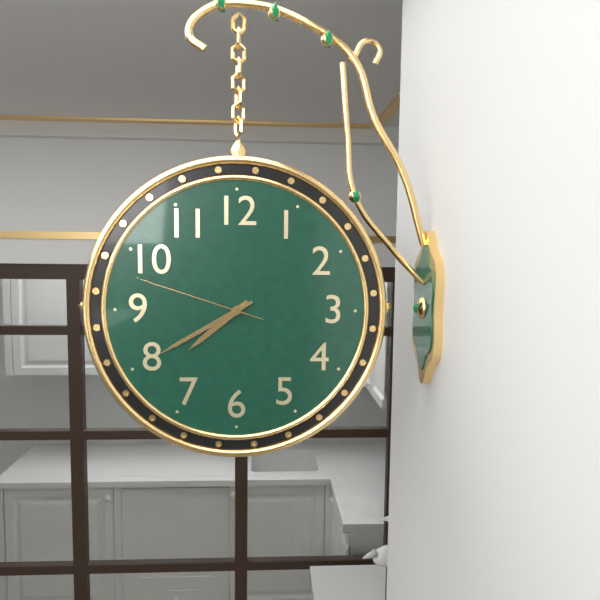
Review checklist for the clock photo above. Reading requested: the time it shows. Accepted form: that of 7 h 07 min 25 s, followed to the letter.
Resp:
7 h 40 min 48 s
